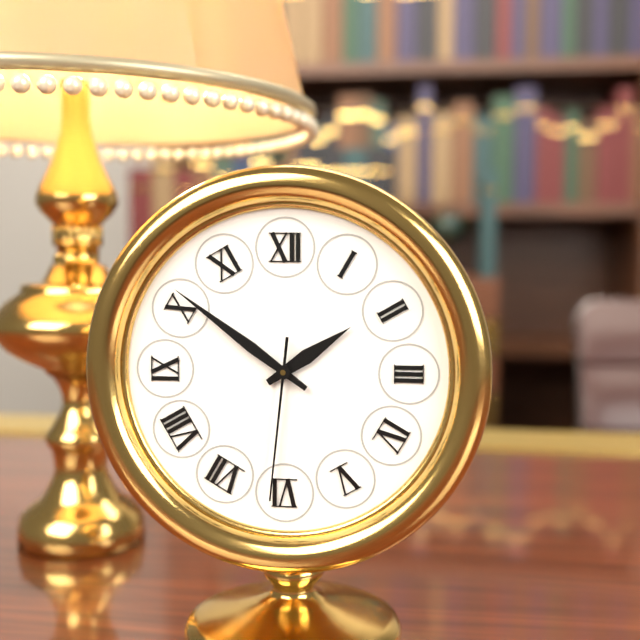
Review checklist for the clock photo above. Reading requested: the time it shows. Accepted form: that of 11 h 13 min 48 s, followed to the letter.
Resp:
1 h 51 min 31 s
